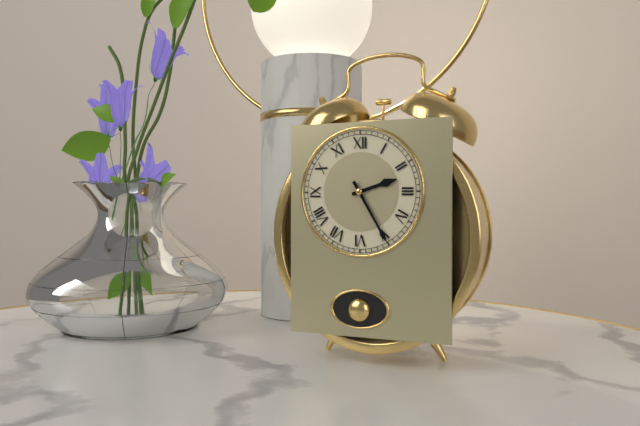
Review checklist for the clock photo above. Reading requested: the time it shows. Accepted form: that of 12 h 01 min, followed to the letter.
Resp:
2 h 25 min
